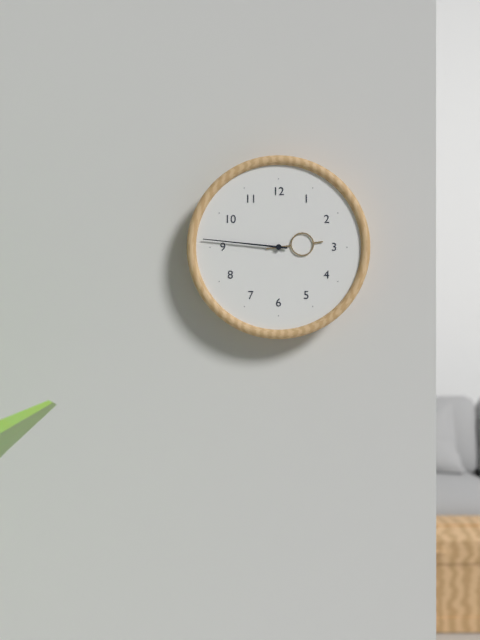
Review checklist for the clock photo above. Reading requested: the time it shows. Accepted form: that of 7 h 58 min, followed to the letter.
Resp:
2 h 46 min
